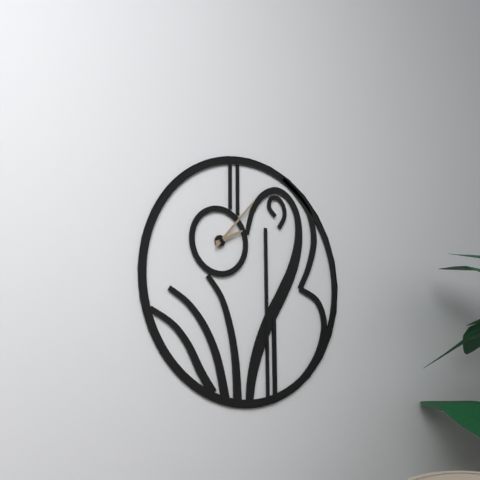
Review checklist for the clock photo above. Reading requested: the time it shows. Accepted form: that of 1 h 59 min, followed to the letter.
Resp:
2 h 07 min
